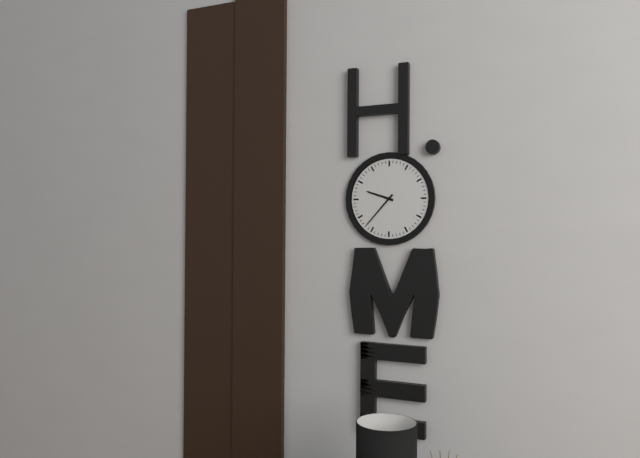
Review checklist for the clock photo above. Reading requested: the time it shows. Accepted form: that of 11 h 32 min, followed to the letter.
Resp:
9 h 37 min
